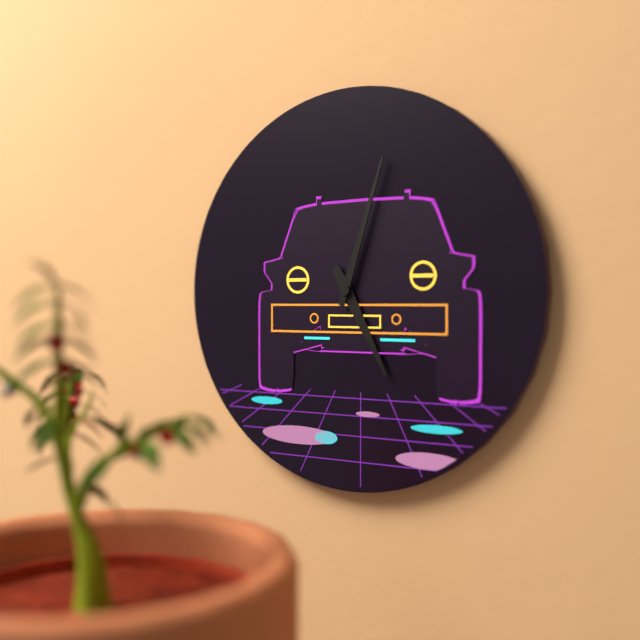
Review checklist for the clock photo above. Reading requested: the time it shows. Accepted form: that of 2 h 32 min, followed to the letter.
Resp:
5 h 03 min
